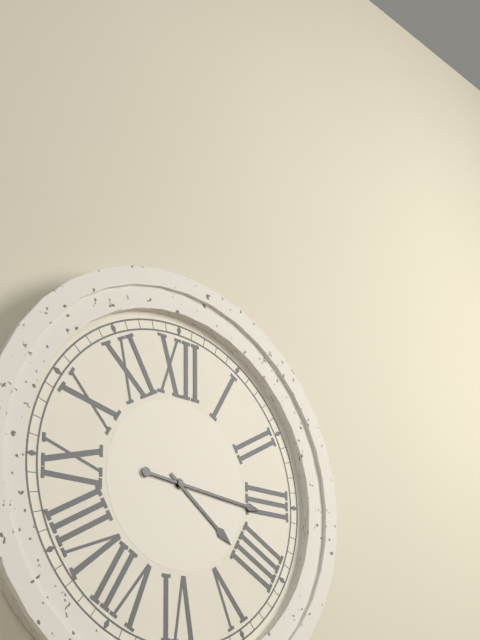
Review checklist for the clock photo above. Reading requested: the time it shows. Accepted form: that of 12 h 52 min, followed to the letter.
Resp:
4 h 16 min
